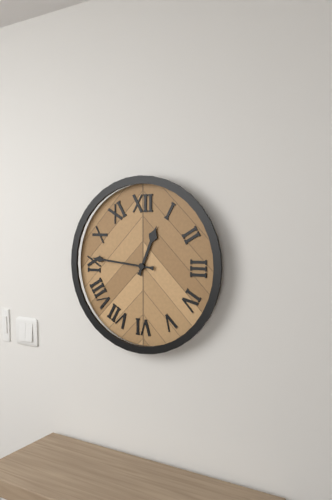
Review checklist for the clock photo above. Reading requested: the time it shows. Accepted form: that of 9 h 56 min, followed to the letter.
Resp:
12 h 46 min
